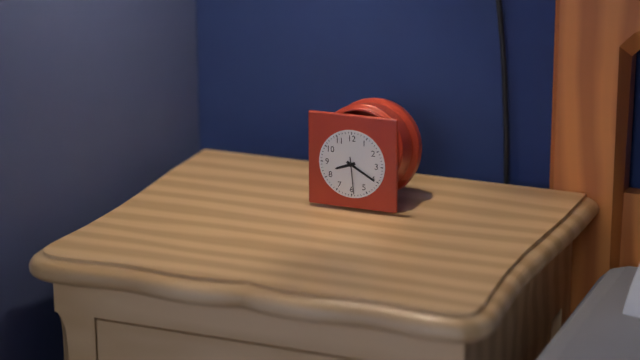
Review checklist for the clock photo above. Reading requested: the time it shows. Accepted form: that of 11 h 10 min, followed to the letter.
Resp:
8 h 20 min
